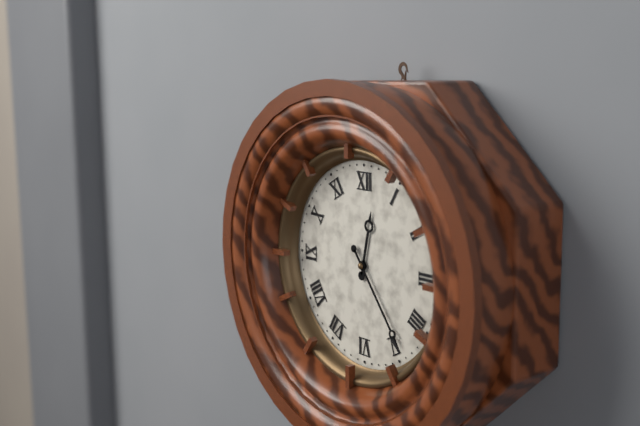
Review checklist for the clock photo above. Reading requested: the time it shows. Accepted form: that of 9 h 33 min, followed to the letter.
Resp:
12 h 24 min
